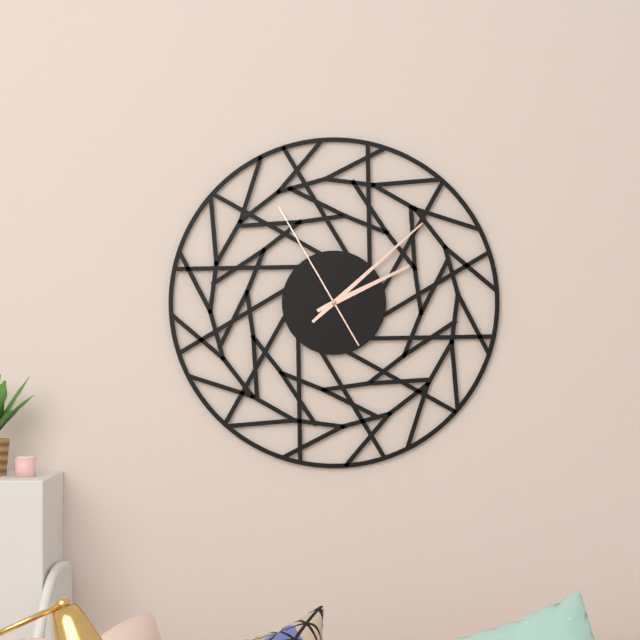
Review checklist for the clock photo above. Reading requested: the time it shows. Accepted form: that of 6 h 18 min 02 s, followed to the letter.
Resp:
2 h 08 min 55 s
